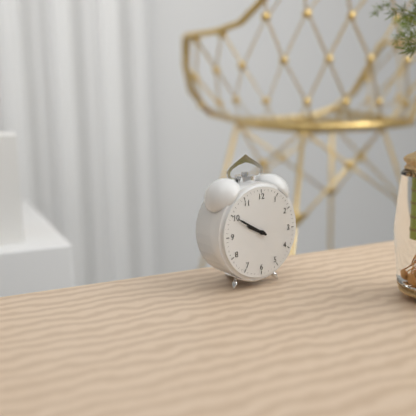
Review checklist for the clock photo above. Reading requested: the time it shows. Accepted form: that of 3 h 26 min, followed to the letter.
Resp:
9 h 50 min
